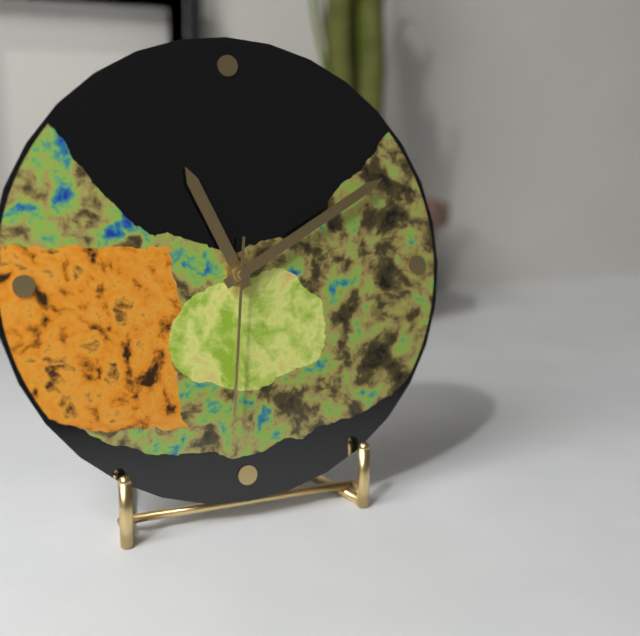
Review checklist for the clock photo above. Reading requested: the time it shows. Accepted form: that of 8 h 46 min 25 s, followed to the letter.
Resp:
11 h 10 min 31 s
